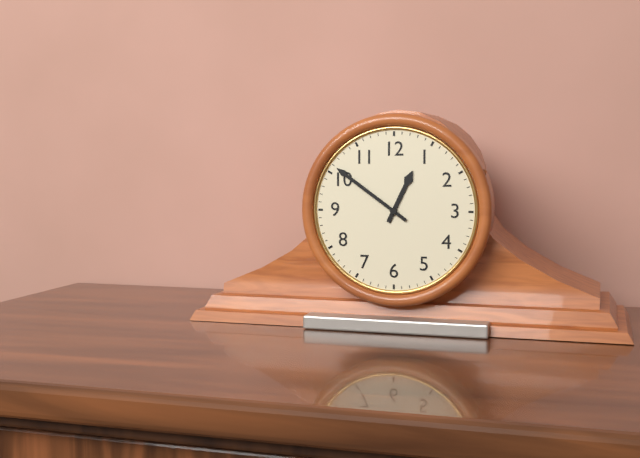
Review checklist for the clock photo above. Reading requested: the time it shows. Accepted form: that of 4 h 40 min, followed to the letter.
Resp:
12 h 51 min
